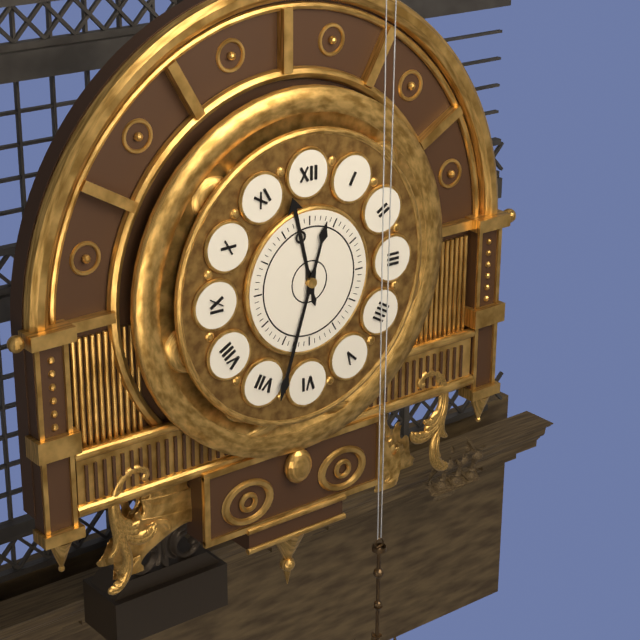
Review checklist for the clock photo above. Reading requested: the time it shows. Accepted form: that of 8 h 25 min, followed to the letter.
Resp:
11 h 33 min
